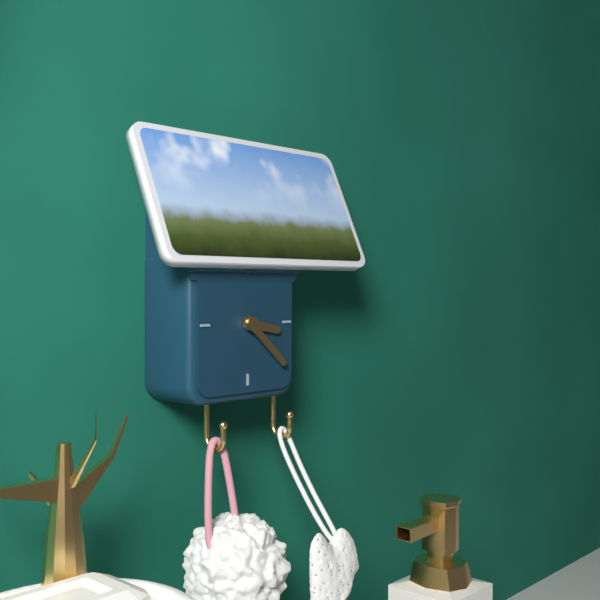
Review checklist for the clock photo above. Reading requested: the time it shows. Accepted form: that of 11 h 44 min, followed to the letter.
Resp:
3 h 22 min
